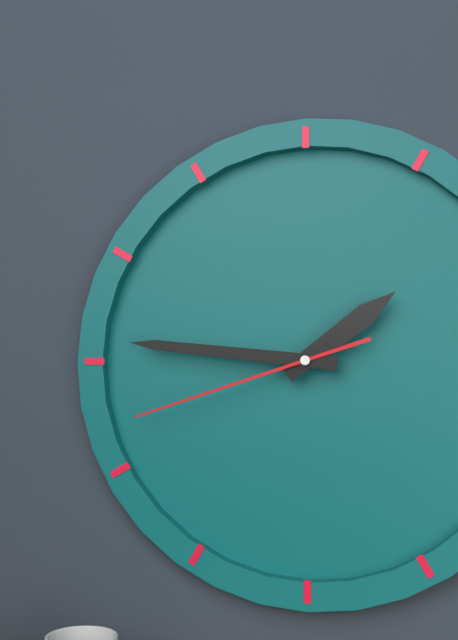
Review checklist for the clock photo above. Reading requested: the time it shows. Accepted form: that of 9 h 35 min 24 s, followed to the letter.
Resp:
1 h 46 min 42 s
